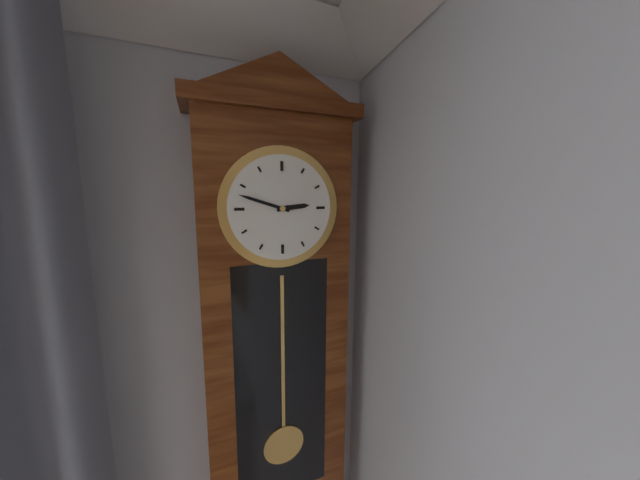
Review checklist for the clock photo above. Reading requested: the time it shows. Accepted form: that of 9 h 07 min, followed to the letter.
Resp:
2 h 48 min
